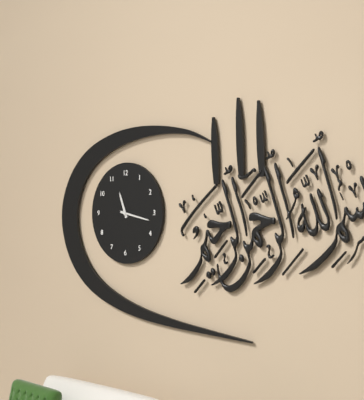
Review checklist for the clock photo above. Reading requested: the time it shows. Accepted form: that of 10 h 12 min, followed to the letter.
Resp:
11 h 17 min
